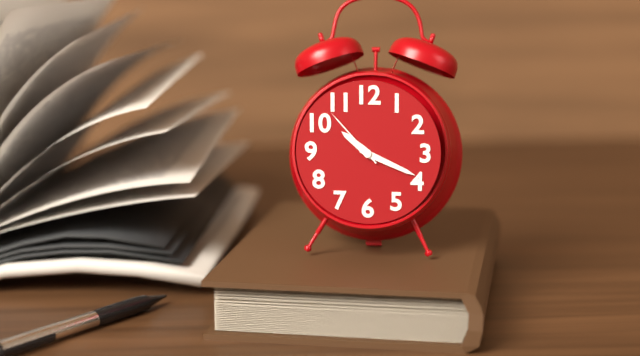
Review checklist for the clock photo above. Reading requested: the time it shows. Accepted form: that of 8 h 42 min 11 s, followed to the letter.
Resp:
10 h 19 min 53 s
